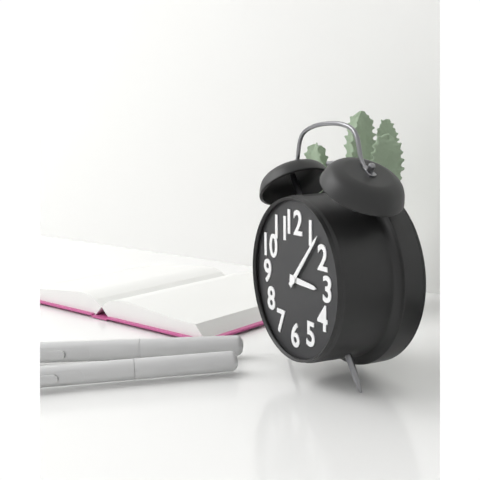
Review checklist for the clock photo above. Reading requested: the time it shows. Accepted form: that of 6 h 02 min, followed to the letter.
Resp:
3 h 07 min
